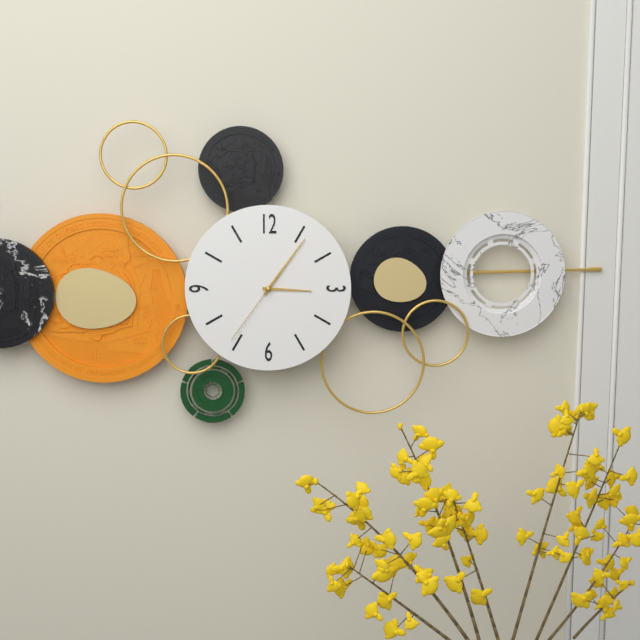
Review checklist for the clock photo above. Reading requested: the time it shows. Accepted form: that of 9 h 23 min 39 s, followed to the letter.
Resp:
3 h 06 min 36 s
